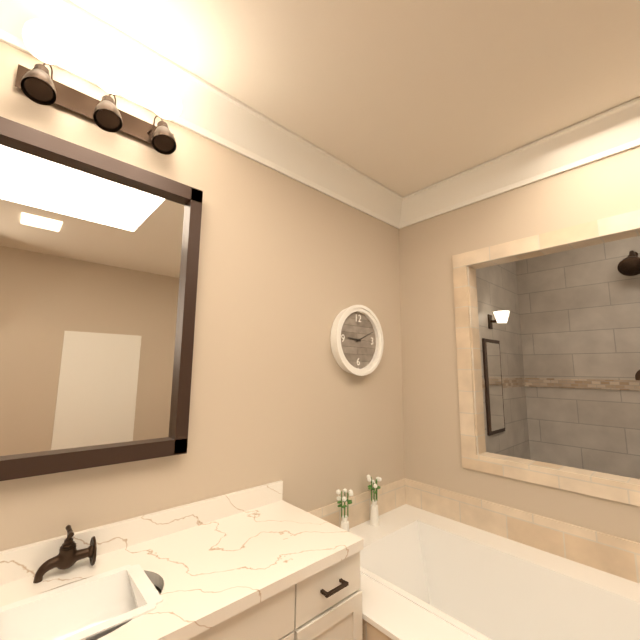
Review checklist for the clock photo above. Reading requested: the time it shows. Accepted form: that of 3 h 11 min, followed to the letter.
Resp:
9 h 11 min
